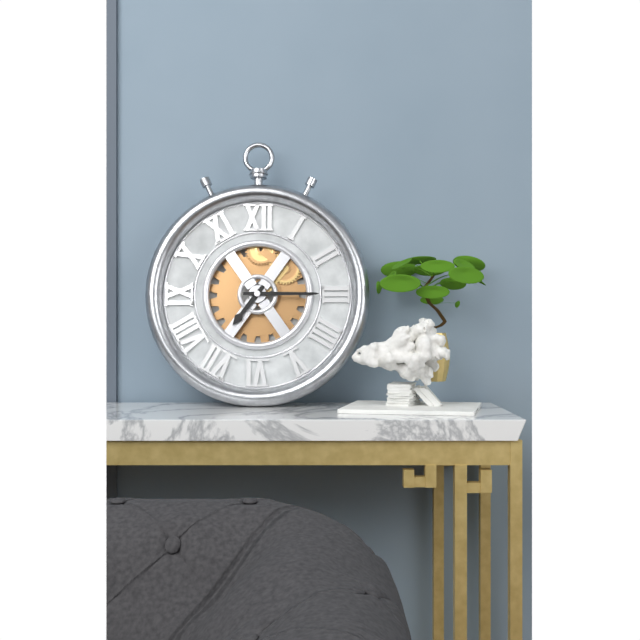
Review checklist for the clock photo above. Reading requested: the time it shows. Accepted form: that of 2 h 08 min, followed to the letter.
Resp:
7 h 15 min
